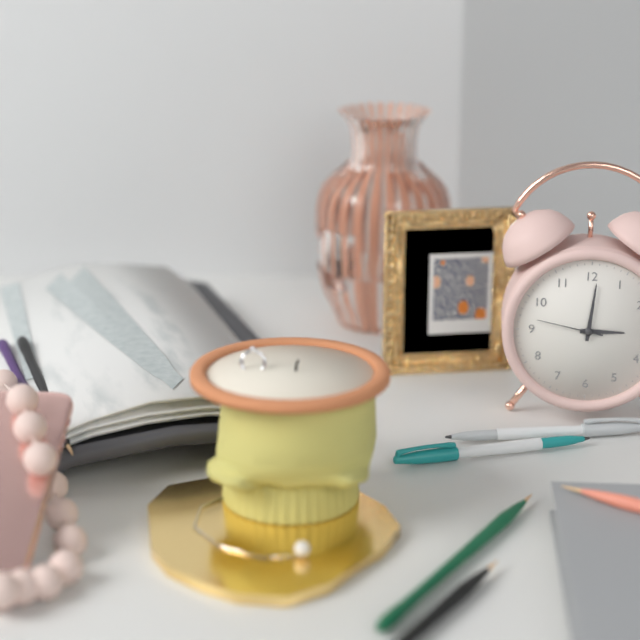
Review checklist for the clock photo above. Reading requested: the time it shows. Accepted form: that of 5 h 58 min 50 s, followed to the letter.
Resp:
3 h 01 min 47 s
